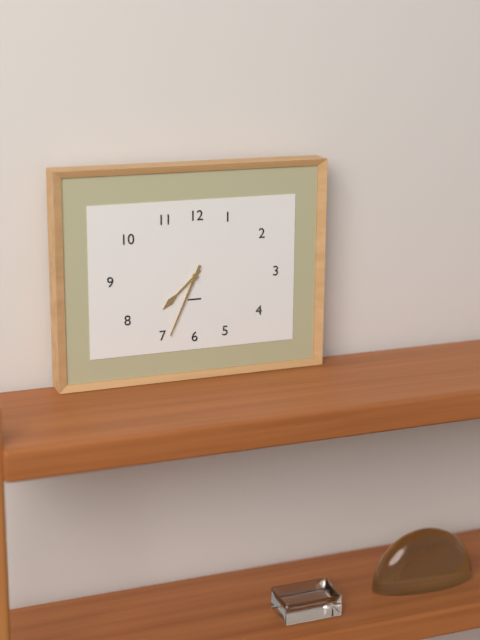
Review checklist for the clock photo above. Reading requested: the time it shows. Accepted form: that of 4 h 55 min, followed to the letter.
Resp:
7 h 34 min
